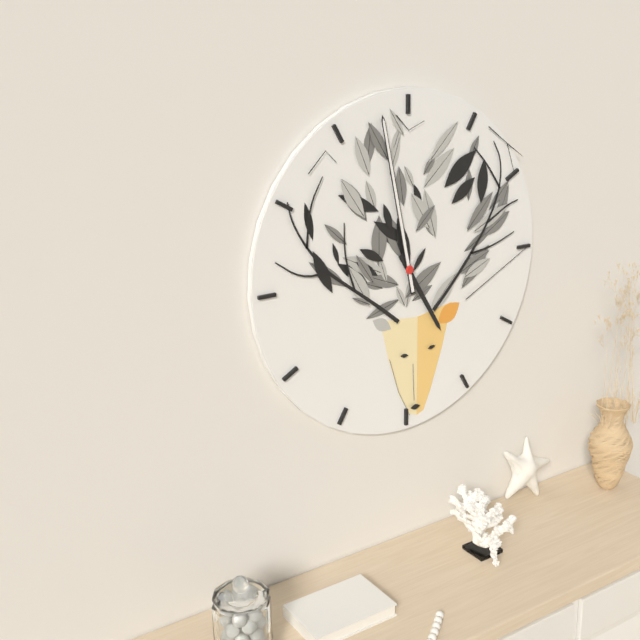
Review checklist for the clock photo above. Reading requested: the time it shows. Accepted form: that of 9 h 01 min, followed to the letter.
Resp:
4 h 58 min
